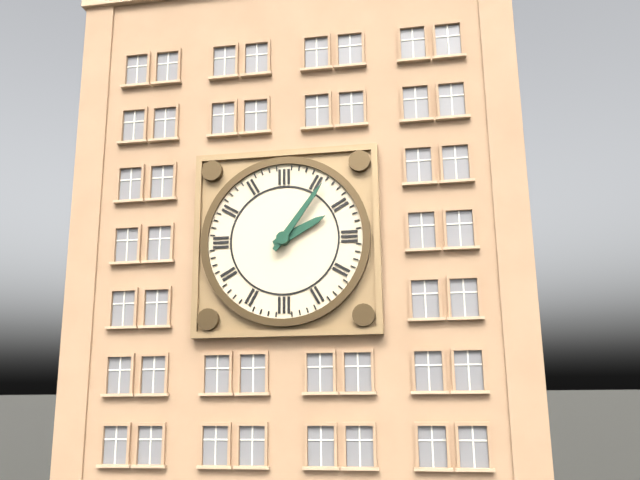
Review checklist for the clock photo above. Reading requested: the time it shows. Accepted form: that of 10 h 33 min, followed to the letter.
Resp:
2 h 06 min
